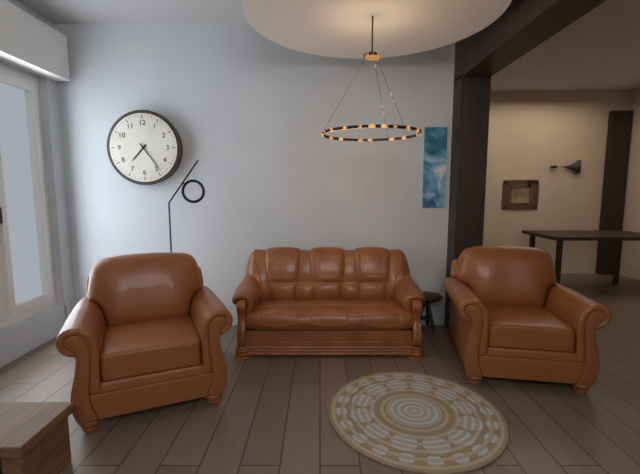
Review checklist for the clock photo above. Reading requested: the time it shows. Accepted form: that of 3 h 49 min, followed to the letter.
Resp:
7 h 24 min
